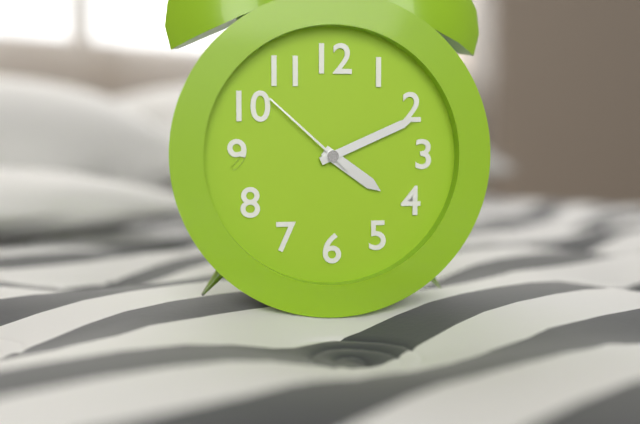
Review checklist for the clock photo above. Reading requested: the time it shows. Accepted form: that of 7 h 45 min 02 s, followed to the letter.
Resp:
4 h 11 min 52 s
